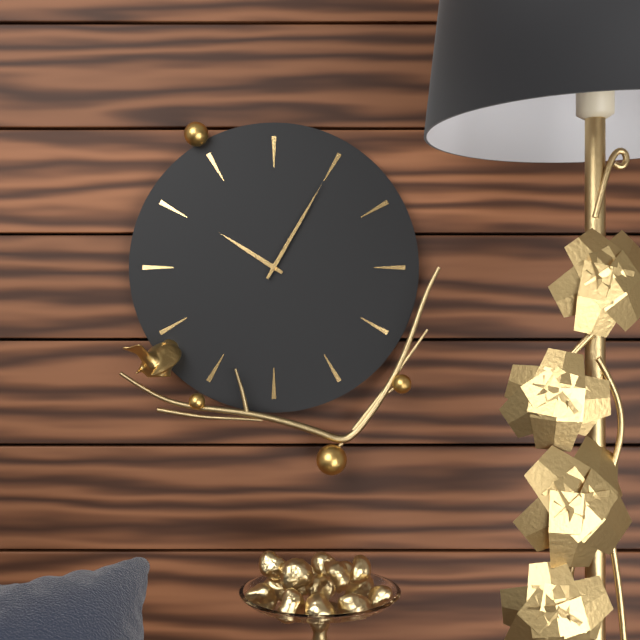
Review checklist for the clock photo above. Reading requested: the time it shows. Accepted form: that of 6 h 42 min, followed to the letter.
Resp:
10 h 05 min
